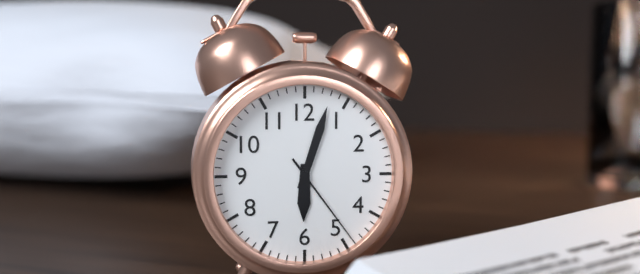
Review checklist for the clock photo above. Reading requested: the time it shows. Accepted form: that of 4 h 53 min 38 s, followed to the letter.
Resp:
6 h 03 min 24 s
